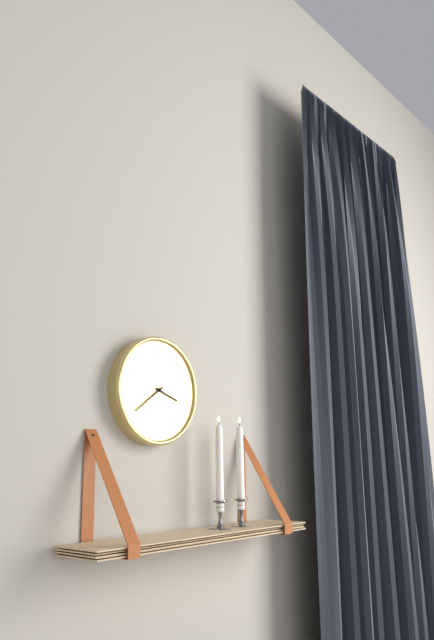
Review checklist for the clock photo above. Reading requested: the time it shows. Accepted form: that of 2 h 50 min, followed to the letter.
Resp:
3 h 39 min
